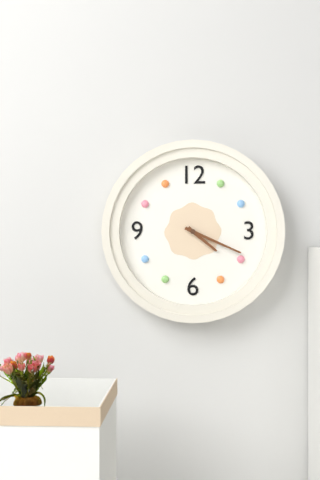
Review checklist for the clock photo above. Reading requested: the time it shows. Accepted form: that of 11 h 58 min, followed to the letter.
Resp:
4 h 19 min
